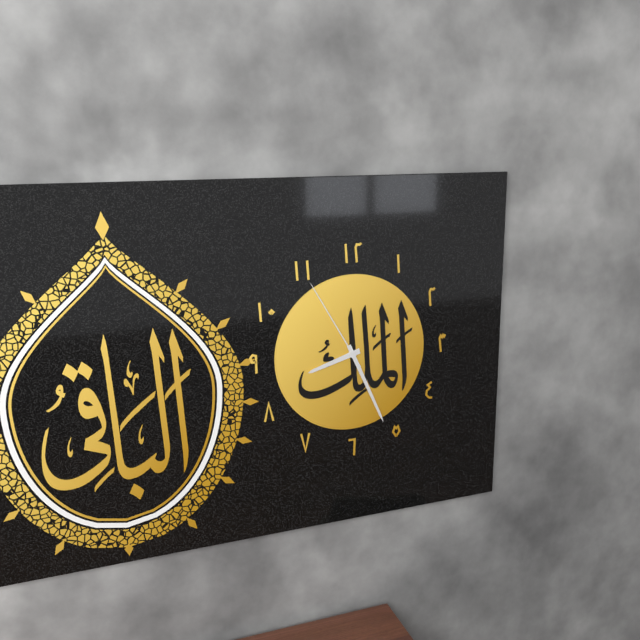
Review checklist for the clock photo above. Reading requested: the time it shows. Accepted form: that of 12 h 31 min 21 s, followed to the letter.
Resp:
8 h 26 min 55 s
